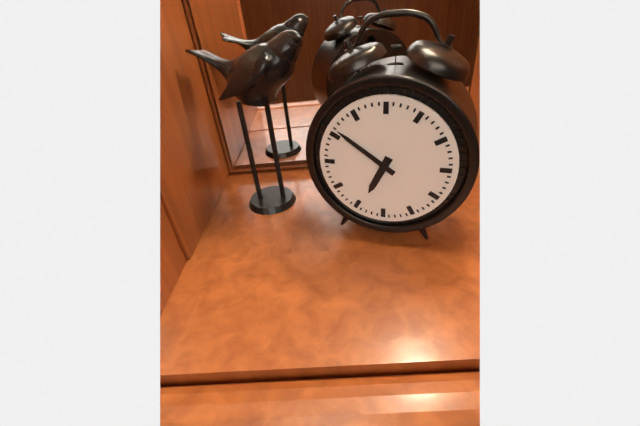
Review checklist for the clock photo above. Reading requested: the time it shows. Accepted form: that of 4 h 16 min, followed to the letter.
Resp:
6 h 51 min
